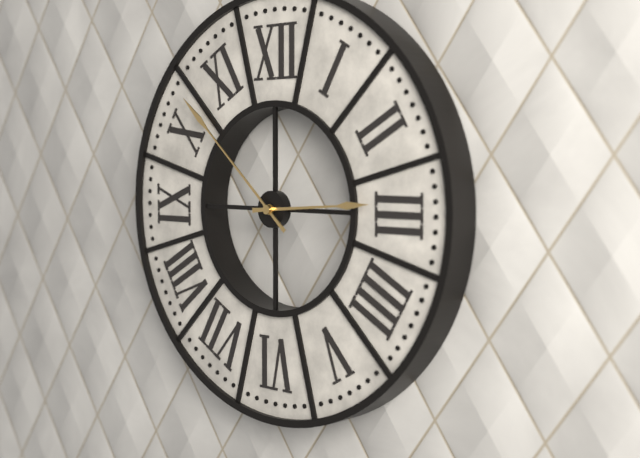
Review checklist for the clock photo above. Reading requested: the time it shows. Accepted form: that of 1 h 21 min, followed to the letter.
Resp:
2 h 52 min
